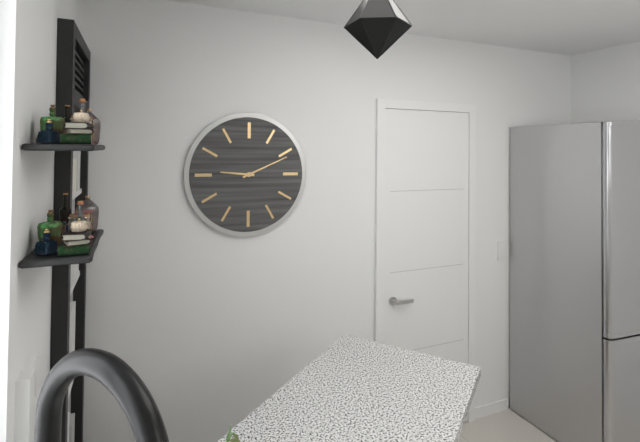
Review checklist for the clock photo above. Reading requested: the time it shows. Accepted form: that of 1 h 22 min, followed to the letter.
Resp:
9 h 11 min
